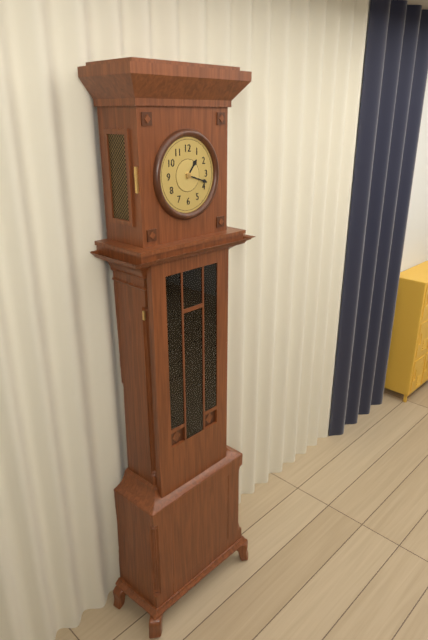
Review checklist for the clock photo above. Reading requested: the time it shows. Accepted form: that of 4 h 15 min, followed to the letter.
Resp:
1 h 18 min
